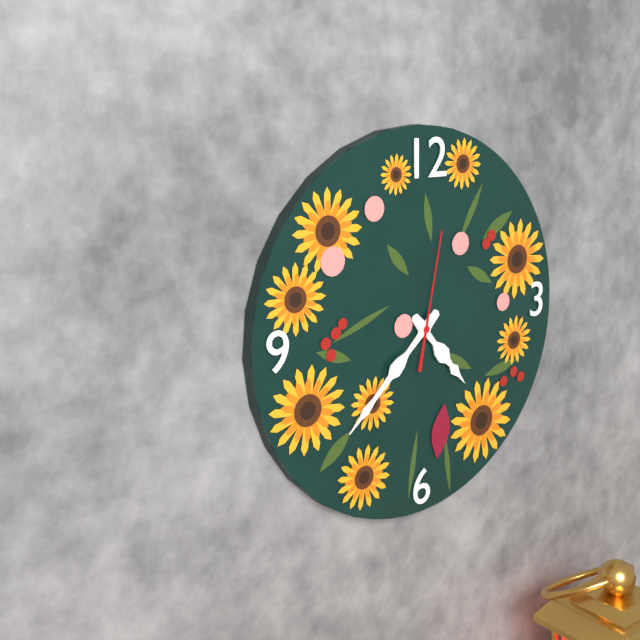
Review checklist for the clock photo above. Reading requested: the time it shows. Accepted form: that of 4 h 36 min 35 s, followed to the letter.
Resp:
4 h 38 min 02 s
